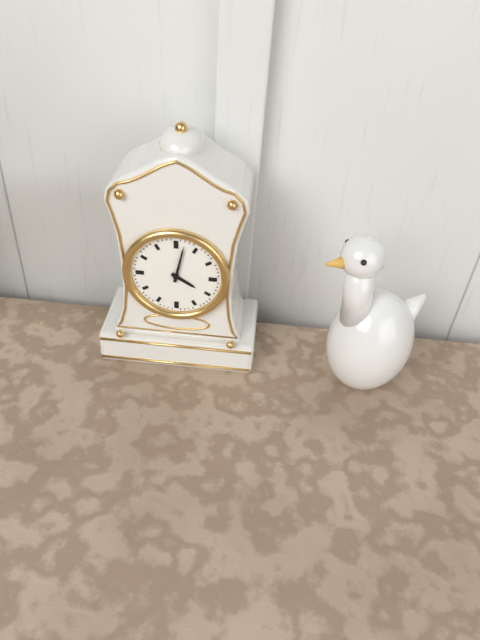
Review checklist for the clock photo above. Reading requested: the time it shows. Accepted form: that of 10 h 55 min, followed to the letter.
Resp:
4 h 02 min
